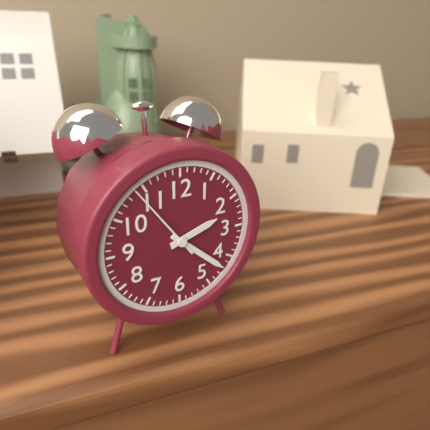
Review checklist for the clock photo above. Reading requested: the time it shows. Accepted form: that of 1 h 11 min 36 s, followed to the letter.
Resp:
2 h 22 min 54 s
